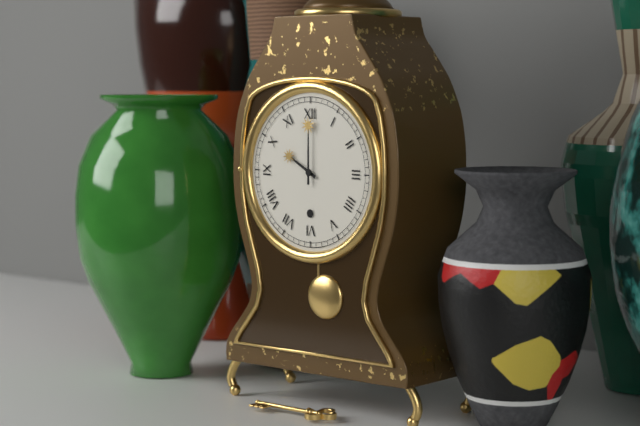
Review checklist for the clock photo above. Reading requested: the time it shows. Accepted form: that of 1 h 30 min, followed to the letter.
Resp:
10 h 00 min
